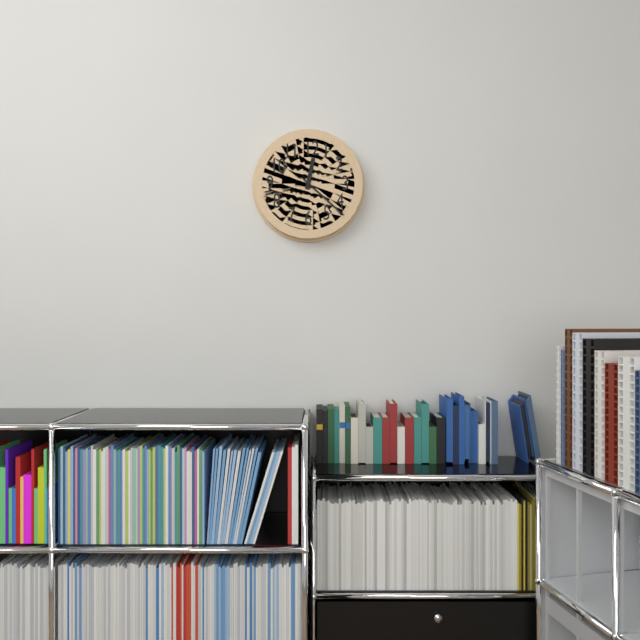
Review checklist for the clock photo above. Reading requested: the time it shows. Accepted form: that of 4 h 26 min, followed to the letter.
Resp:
12 h 22 min
